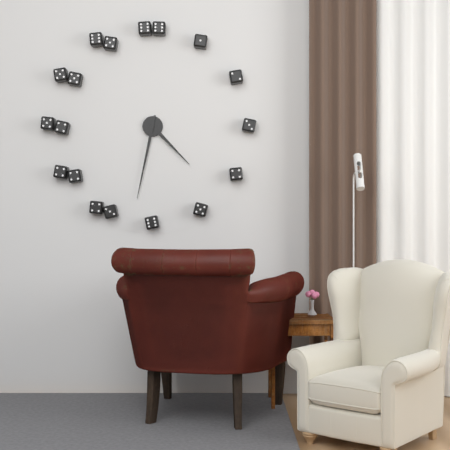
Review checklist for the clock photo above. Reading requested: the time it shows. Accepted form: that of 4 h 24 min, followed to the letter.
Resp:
4 h 32 min
